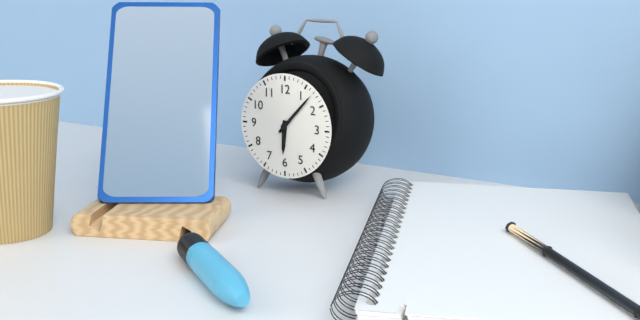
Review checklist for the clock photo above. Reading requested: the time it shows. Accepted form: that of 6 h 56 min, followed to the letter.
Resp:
6 h 07 min
